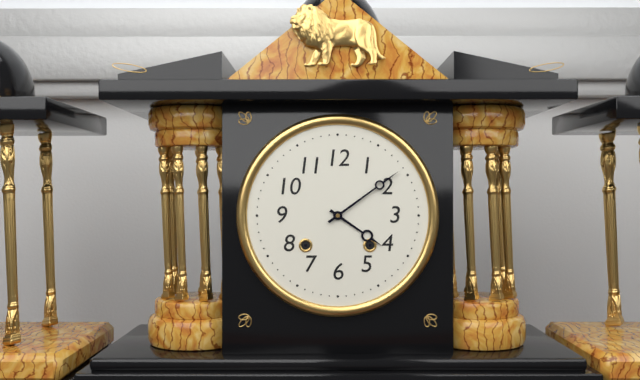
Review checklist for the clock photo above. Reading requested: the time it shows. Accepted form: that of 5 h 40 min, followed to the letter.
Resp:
4 h 09 min
